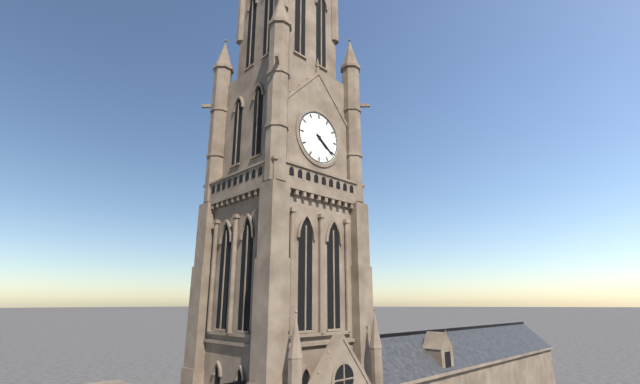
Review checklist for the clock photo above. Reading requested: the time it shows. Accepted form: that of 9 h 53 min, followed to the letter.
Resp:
4 h 21 min
